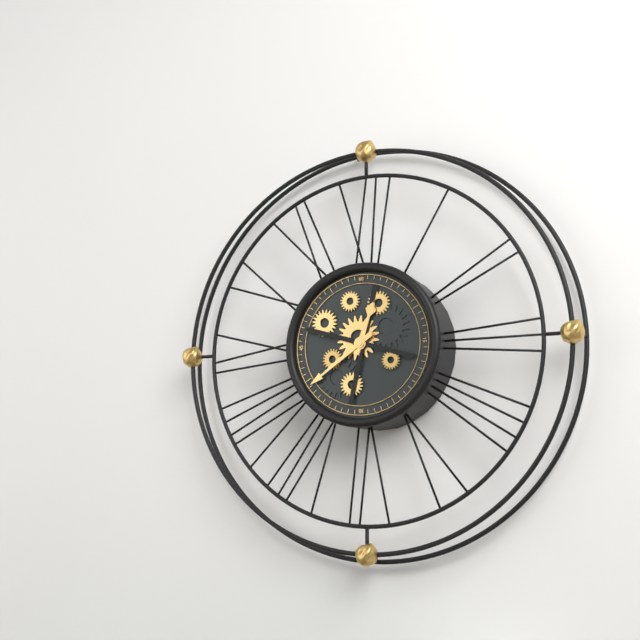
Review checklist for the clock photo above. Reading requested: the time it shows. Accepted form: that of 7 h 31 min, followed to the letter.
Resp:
12 h 39 min
